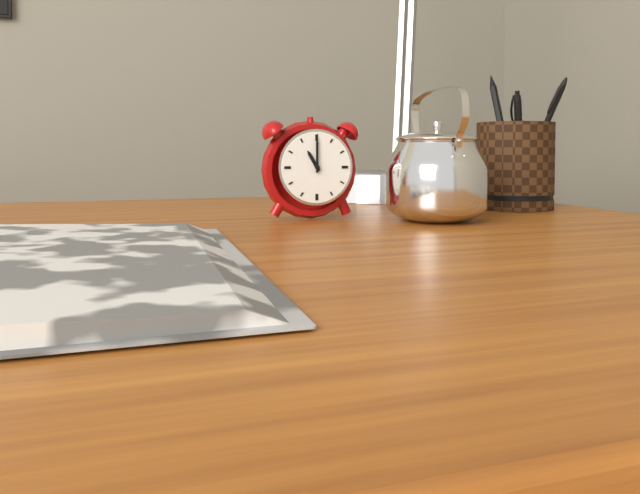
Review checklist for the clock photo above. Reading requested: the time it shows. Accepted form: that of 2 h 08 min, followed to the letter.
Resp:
11 h 00 min
